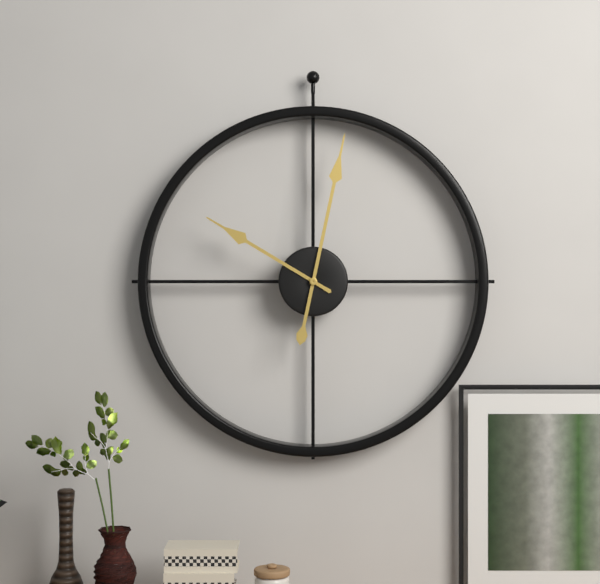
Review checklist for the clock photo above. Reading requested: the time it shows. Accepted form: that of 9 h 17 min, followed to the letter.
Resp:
10 h 02 min
